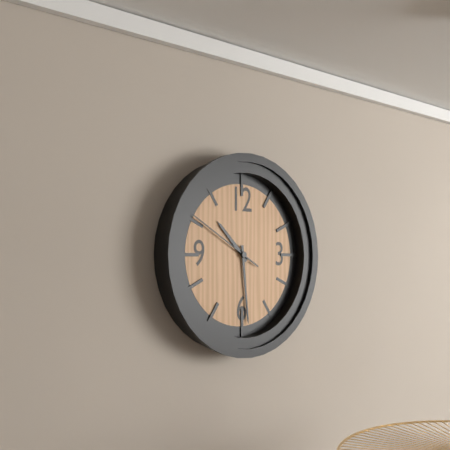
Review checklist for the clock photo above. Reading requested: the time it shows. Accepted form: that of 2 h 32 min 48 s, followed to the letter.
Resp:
10 h 29 min 50 s
